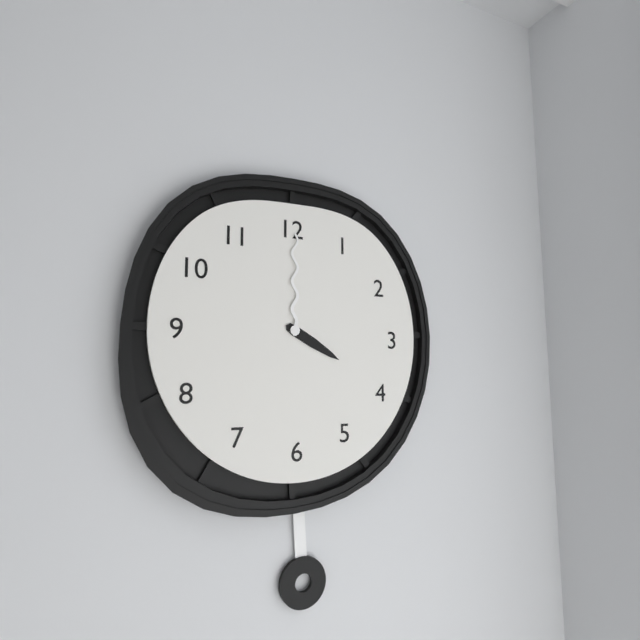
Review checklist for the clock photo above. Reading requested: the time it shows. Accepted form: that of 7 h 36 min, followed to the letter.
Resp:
4 h 00 min
